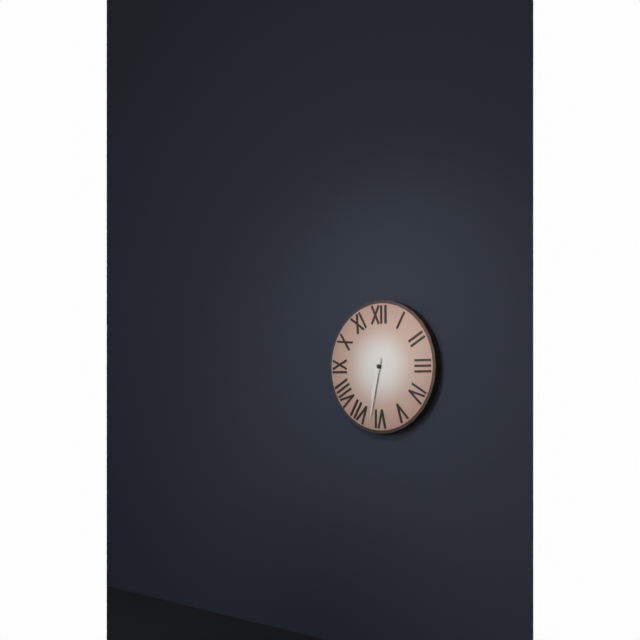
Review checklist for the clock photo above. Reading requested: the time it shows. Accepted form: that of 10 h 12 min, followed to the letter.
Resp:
6 h 32 min
